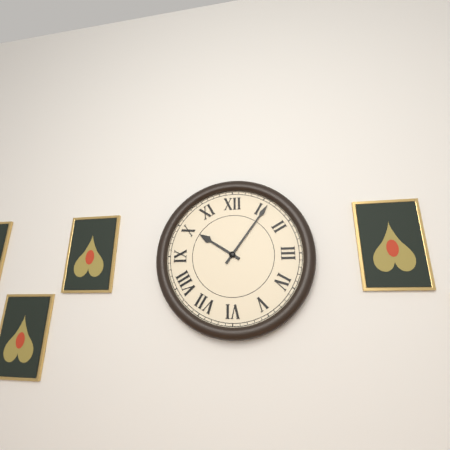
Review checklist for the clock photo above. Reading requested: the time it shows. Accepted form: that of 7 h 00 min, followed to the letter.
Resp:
10 h 06 min
